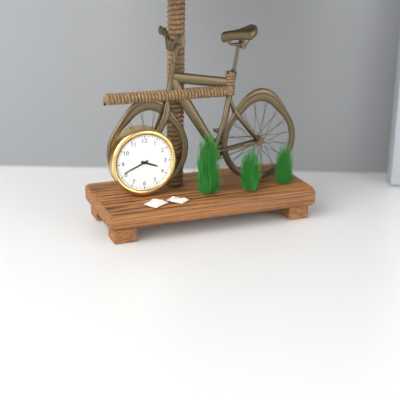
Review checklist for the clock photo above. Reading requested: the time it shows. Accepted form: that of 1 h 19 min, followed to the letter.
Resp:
3 h 41 min
